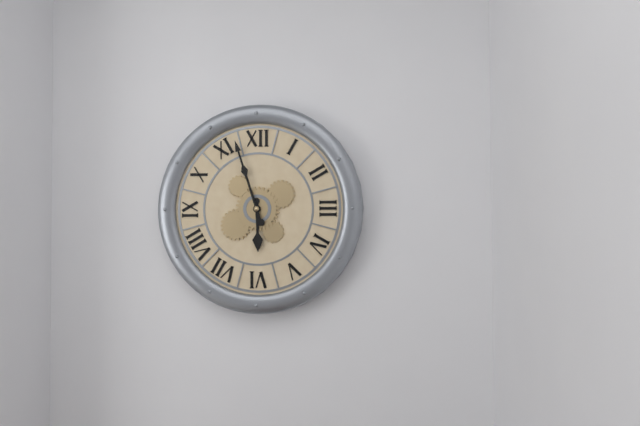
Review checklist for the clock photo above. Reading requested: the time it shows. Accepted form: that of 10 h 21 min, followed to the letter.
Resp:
5 h 57 min
